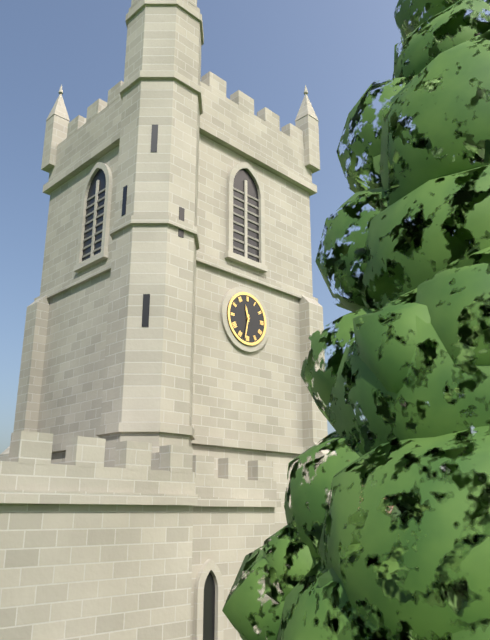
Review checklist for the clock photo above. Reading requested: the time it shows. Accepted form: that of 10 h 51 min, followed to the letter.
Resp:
11 h 32 min
